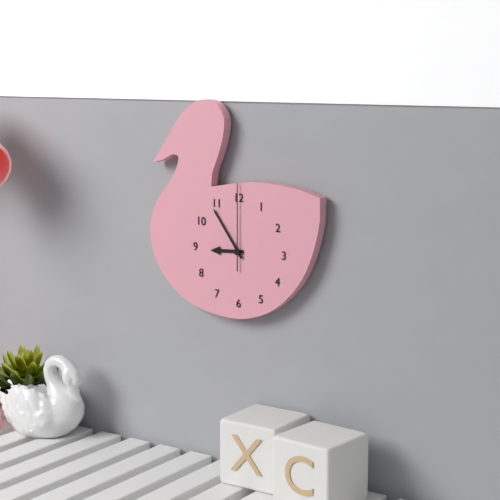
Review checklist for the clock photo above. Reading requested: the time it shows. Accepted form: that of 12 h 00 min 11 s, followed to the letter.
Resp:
8 h 54 min 00 s
